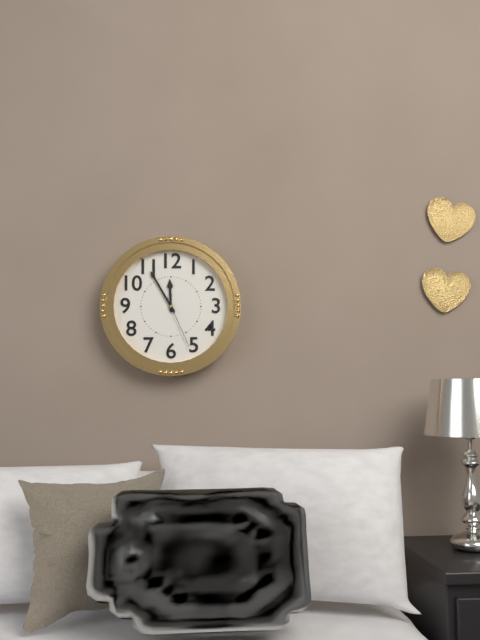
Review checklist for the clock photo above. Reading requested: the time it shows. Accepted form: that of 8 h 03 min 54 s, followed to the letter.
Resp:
11 h 55 min 26 s
